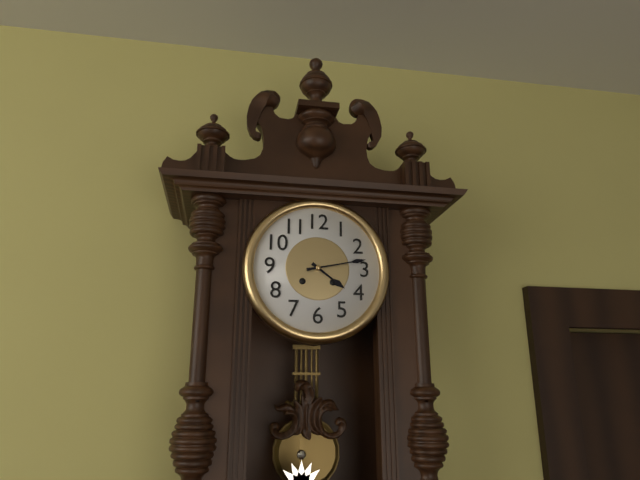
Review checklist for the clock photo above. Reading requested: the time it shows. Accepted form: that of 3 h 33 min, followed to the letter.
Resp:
4 h 13 min
